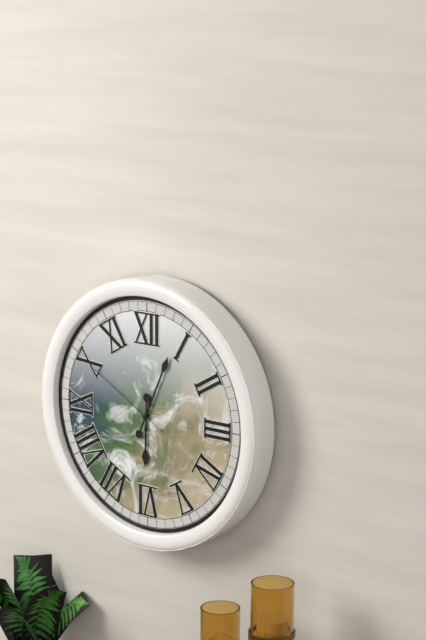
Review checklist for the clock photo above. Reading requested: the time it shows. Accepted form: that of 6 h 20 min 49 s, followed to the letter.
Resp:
6 h 04 min 50 s
